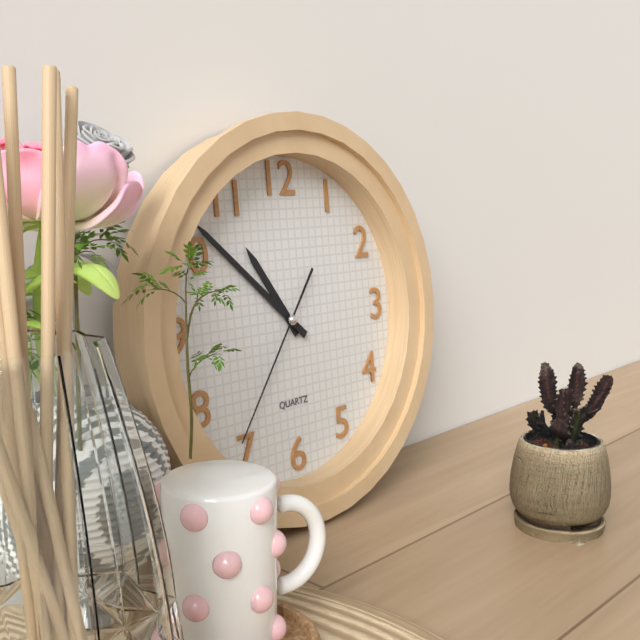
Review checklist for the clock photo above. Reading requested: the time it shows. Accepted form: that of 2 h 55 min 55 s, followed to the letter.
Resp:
10 h 52 min 36 s
